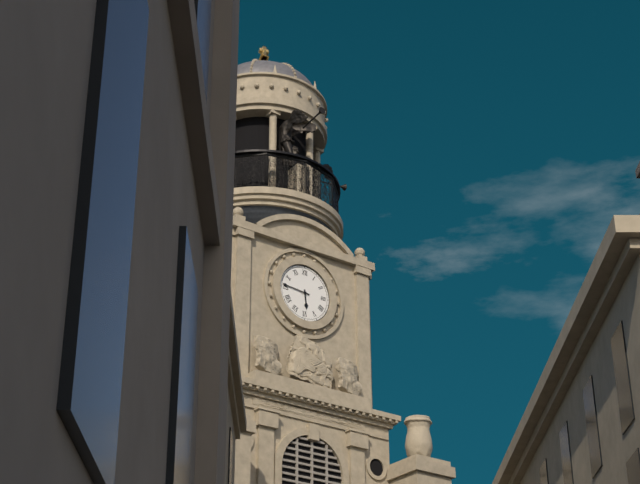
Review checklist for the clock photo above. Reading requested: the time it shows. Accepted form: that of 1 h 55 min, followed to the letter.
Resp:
5 h 46 min
